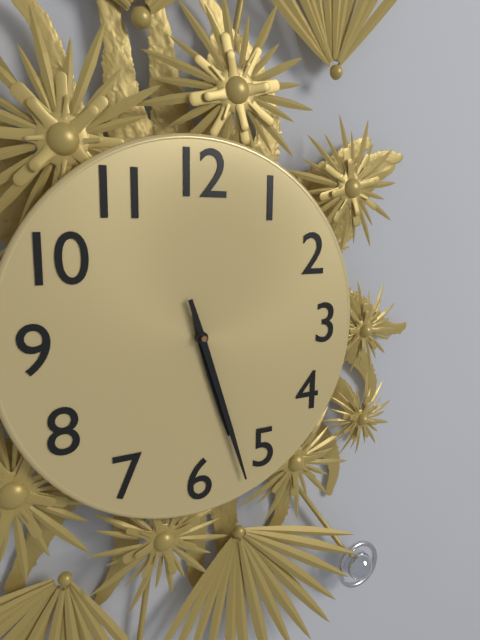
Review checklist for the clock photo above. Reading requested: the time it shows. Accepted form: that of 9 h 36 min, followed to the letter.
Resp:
5 h 27 min
